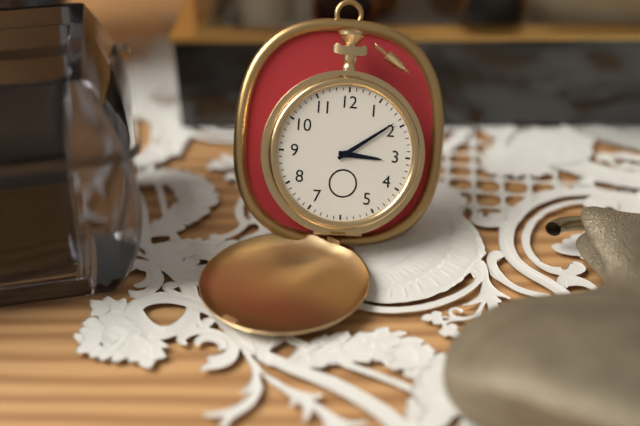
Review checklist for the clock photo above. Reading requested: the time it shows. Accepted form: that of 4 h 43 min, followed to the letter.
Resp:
3 h 09 min
